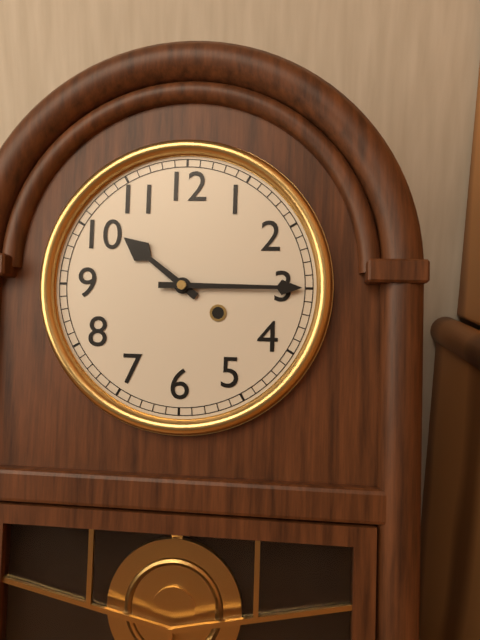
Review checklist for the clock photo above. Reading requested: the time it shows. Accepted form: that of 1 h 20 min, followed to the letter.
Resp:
10 h 15 min
